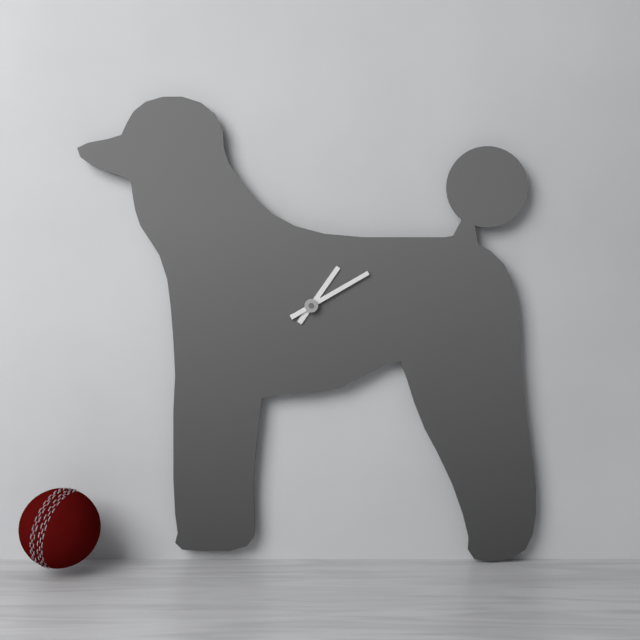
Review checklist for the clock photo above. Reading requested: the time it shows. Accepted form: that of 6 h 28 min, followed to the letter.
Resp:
1 h 10 min
